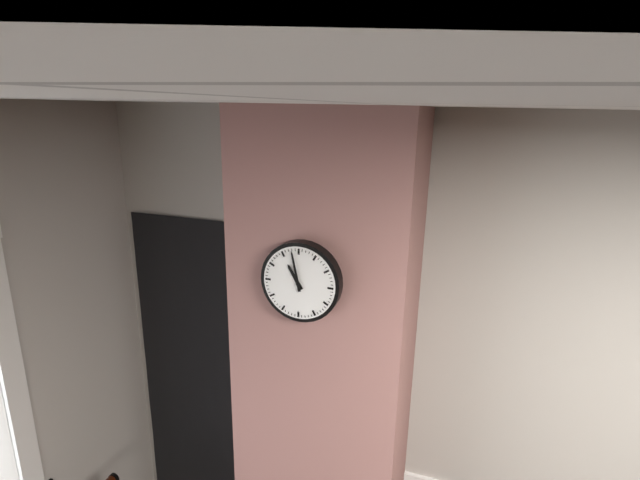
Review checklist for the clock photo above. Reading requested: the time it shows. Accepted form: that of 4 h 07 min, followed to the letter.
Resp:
10 h 58 min
